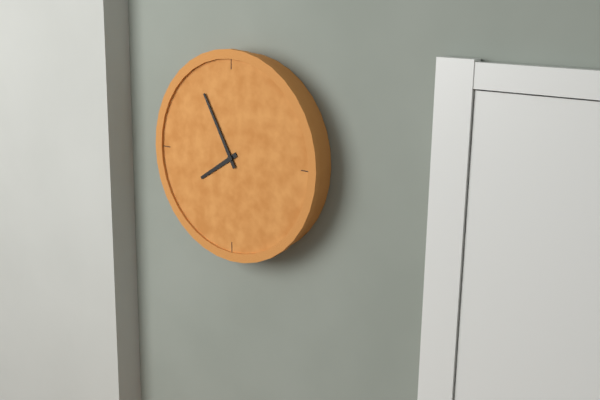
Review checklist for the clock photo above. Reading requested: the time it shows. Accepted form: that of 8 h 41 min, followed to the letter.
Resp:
7 h 55 min
